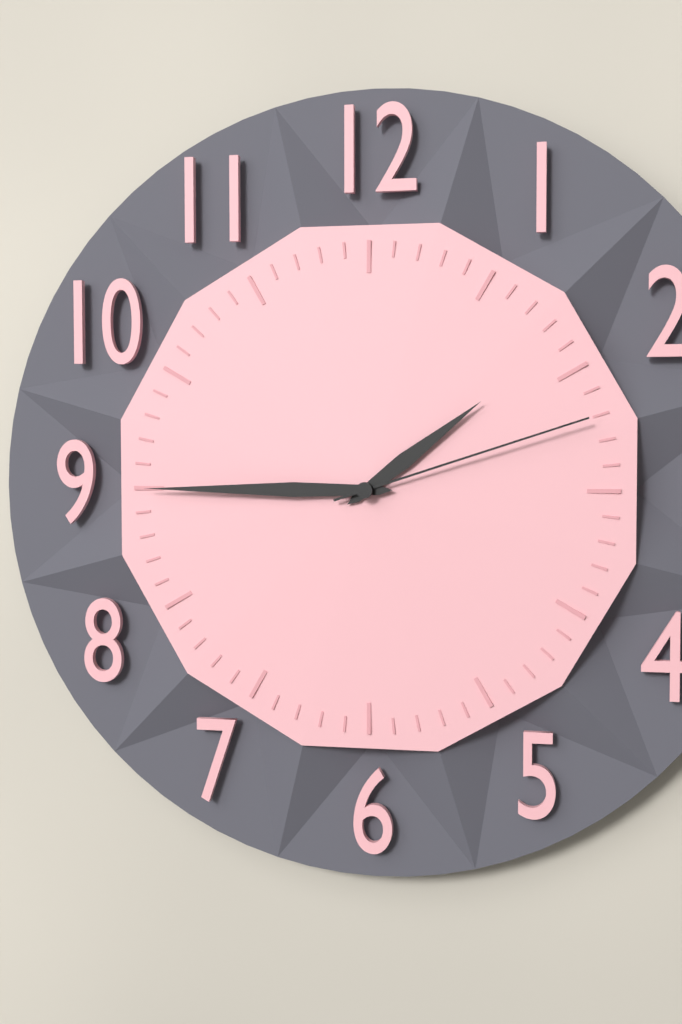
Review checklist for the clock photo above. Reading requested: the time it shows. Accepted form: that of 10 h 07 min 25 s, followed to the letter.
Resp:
1 h 45 min 12 s
